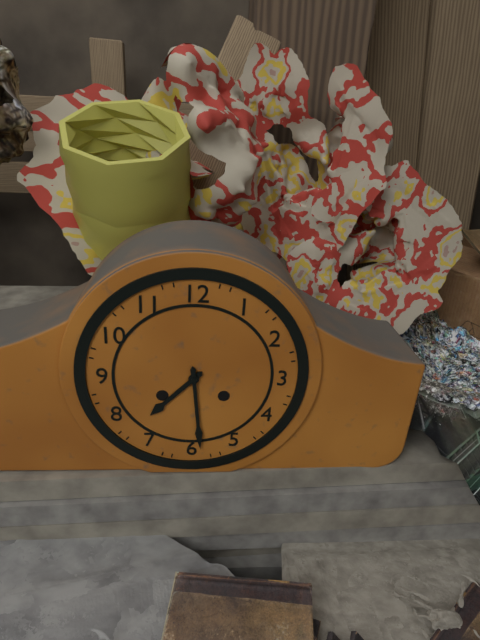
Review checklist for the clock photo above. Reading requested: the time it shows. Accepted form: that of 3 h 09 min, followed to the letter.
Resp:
7 h 29 min
